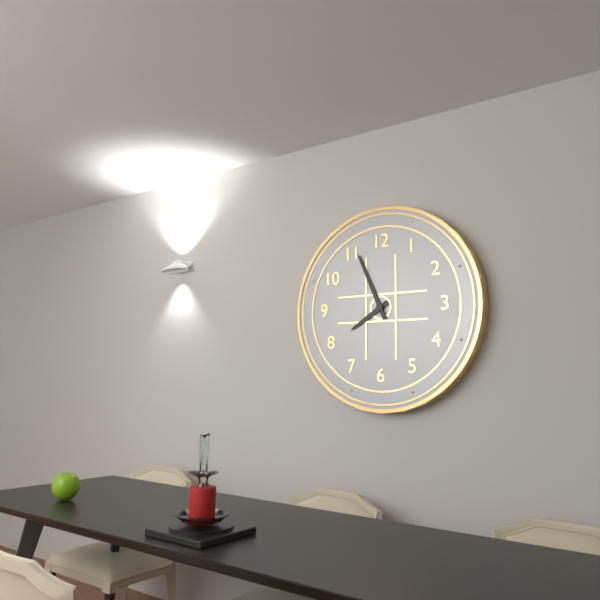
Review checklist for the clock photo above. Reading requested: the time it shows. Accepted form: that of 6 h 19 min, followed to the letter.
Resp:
7 h 56 min
